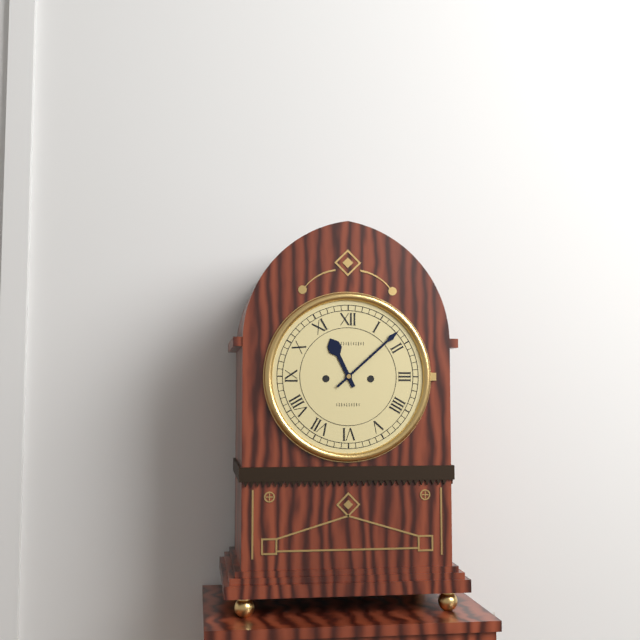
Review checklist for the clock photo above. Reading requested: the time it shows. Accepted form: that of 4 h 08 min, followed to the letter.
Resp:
11 h 08 min
